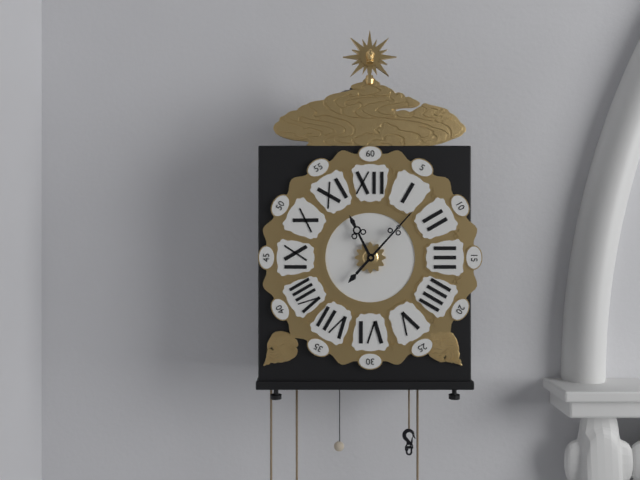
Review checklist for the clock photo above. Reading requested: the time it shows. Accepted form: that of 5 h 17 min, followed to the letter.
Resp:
11 h 07 min
